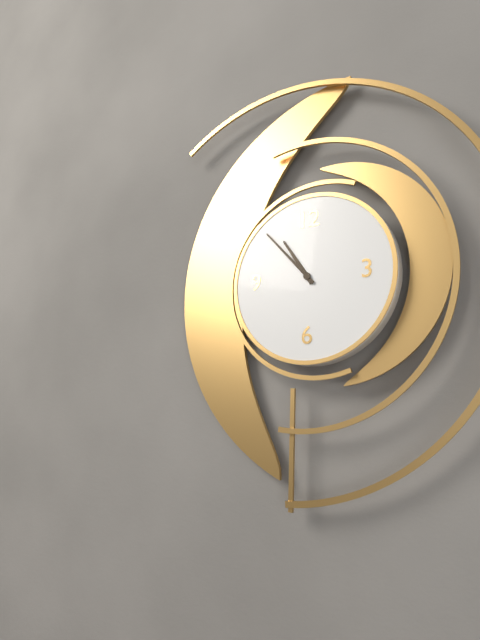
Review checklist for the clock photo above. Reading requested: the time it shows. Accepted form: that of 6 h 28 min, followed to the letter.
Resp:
10 h 53 min
